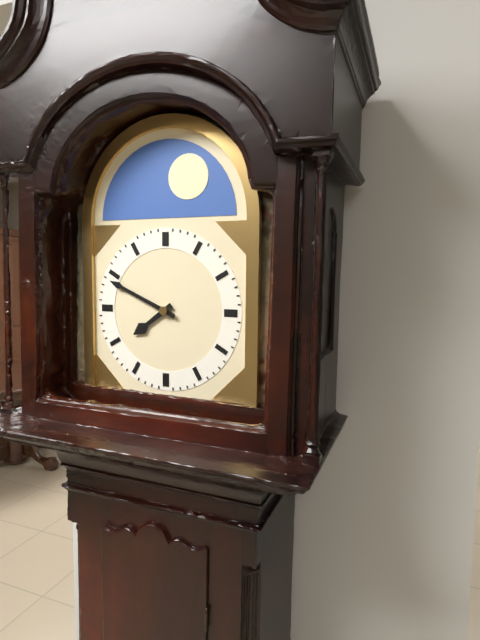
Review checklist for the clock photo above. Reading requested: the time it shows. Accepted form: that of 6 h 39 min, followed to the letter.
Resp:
7 h 49 min
